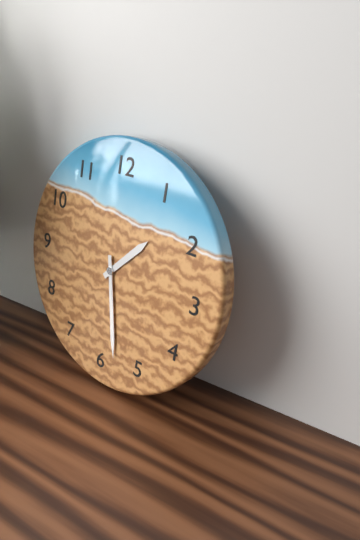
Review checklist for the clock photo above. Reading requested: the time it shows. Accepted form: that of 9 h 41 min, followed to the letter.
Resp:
1 h 28 min
